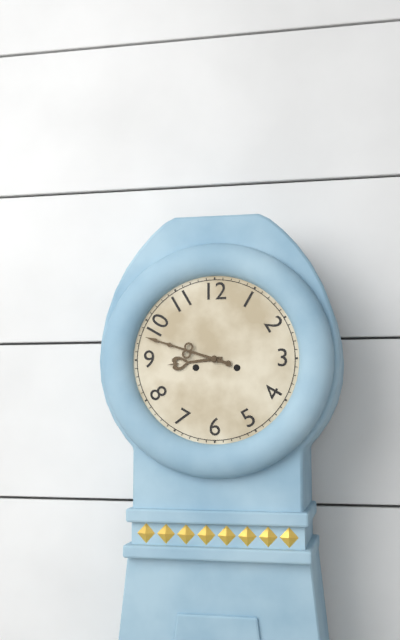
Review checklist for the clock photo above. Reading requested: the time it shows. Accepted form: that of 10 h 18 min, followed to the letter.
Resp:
8 h 48 min
